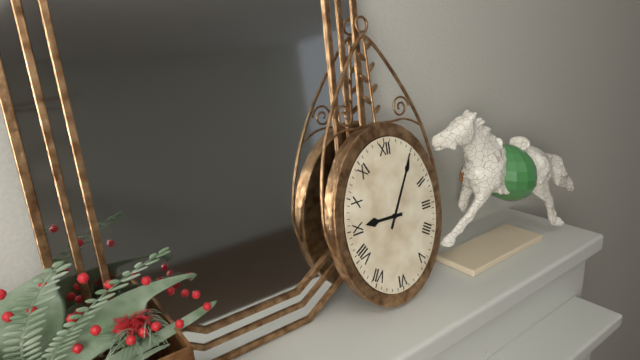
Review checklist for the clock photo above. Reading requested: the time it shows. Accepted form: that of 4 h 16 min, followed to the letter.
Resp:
9 h 05 min
